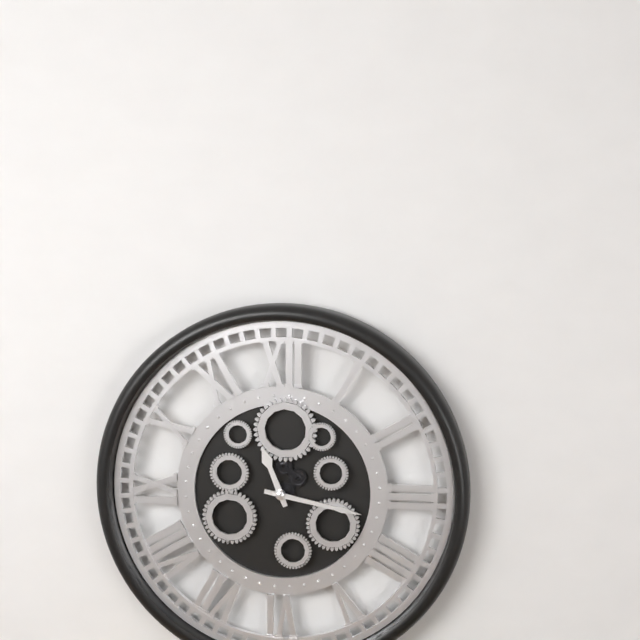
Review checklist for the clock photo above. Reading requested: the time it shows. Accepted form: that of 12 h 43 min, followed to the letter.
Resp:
11 h 17 min
